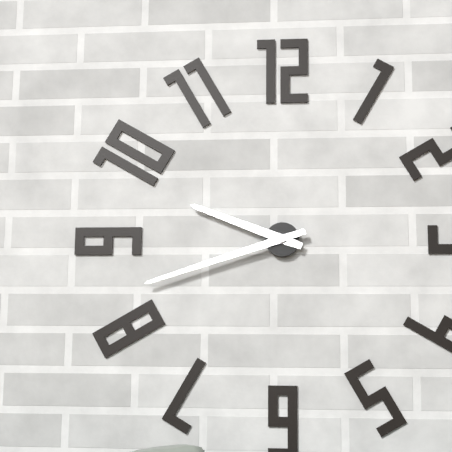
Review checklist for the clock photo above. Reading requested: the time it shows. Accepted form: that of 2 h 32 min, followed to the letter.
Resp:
9 h 42 min
